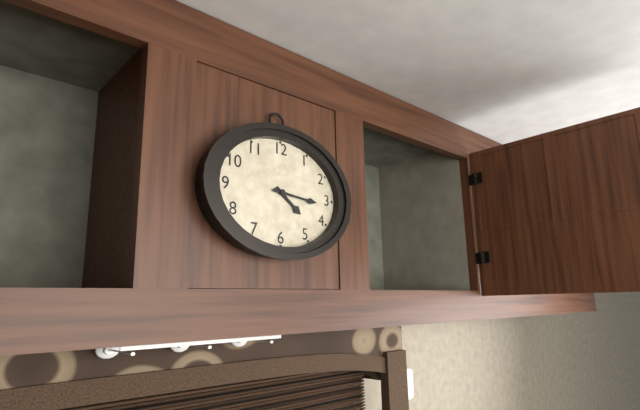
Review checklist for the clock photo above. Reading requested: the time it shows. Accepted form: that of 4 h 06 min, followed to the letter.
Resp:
4 h 16 min
